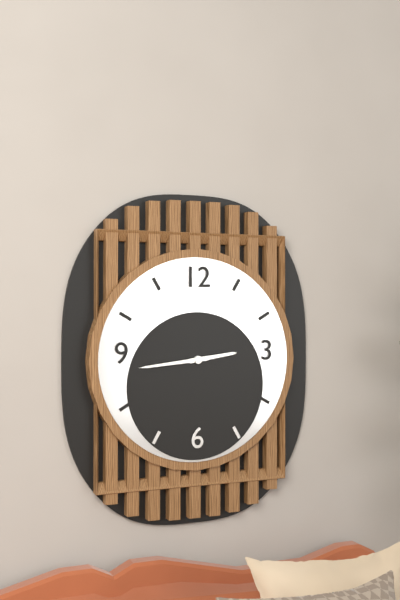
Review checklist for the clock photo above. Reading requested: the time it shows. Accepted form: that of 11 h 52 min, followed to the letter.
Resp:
2 h 44 min
